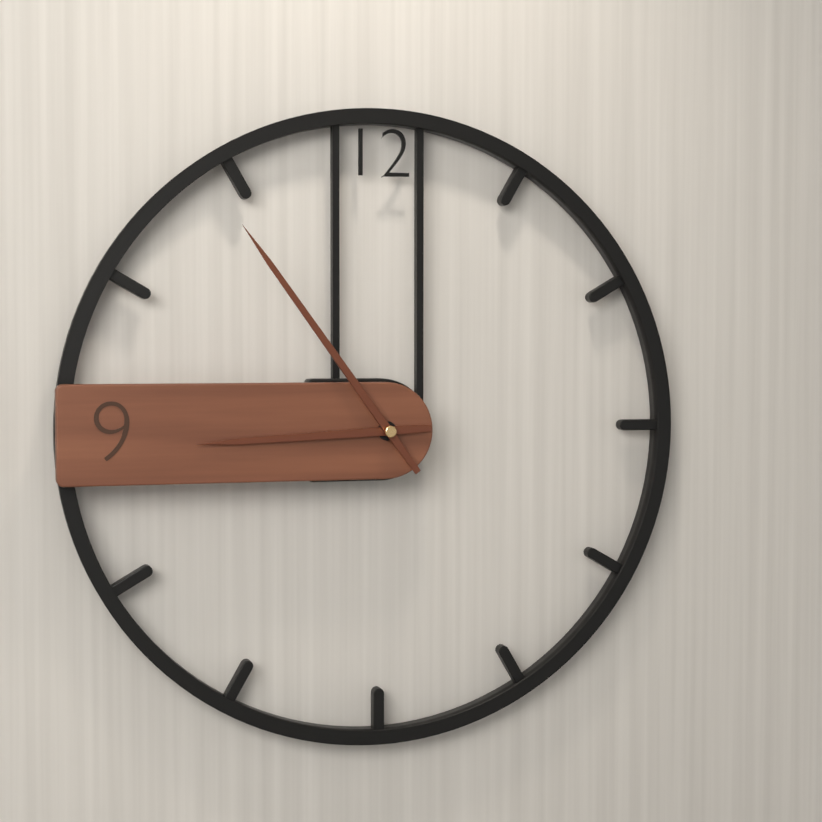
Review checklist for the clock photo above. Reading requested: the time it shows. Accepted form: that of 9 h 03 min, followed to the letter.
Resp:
8 h 54 min
